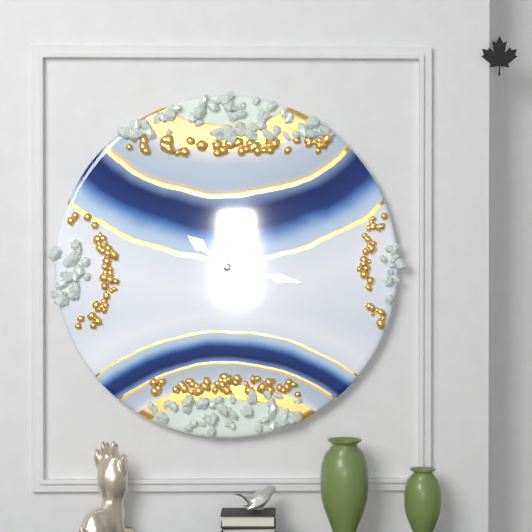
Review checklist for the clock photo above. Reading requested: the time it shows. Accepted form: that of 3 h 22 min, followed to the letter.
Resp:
10 h 17 min
